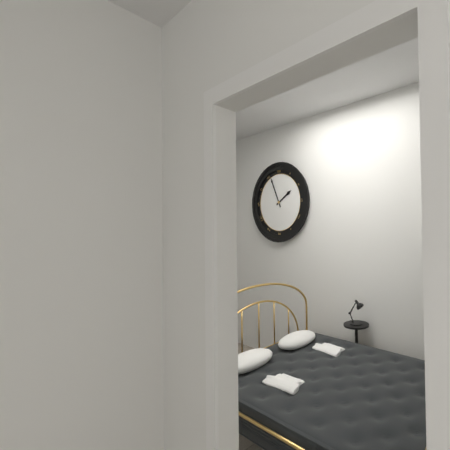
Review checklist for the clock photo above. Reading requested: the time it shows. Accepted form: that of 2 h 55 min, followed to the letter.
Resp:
1 h 56 min
